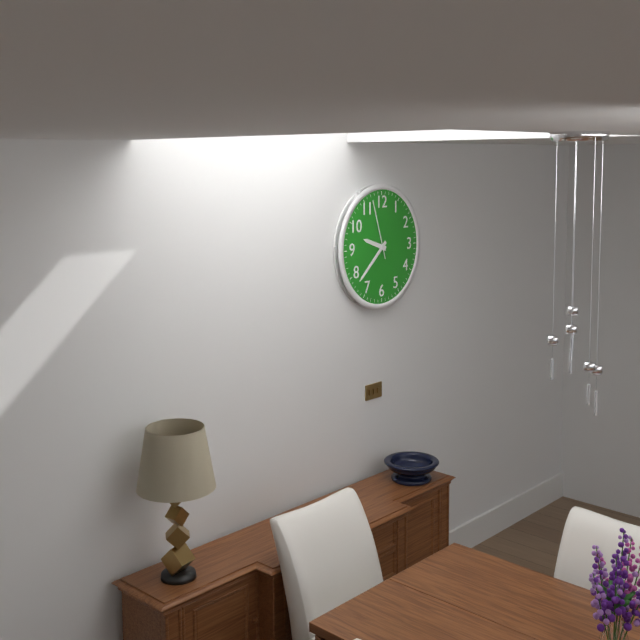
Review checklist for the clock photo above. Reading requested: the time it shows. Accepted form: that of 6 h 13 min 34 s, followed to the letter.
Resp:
9 h 38 min 57 s
